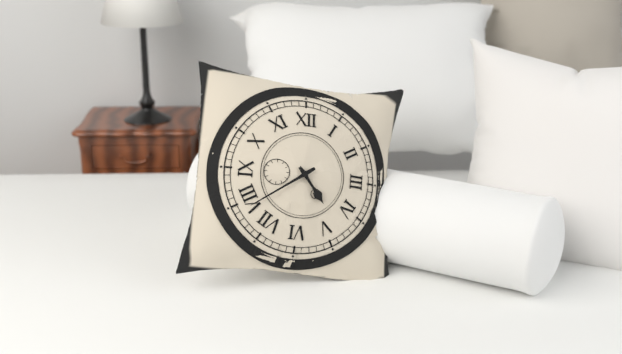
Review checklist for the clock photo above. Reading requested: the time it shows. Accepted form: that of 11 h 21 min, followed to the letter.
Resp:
4 h 39 min
